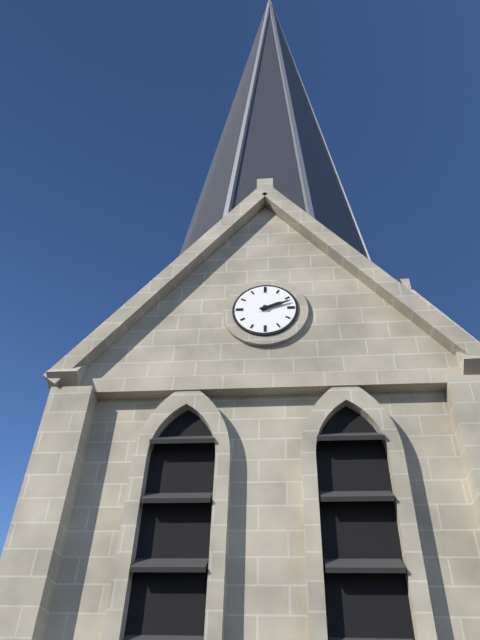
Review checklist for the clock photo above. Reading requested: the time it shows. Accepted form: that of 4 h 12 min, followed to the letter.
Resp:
2 h 12 min
